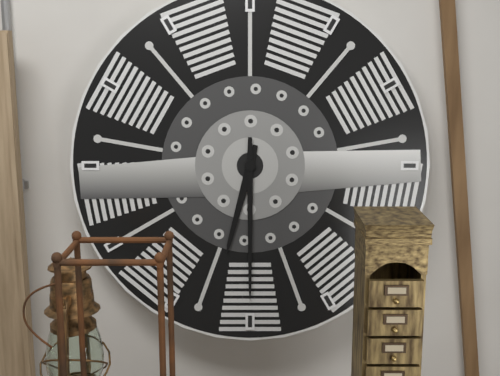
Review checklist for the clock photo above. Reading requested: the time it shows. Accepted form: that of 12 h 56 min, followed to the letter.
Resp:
6 h 30 min
